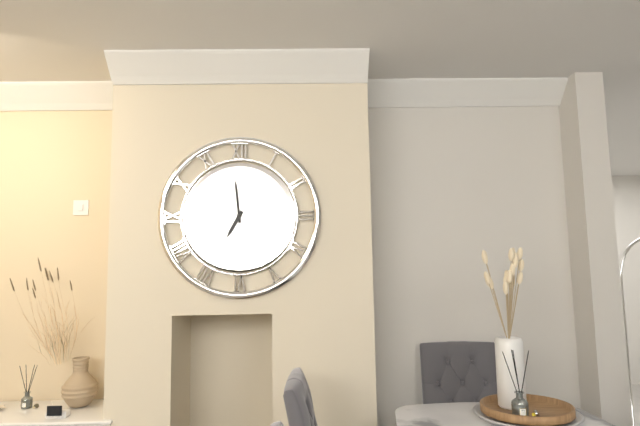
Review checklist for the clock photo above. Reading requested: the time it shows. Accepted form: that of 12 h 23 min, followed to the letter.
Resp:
6 h 59 min
